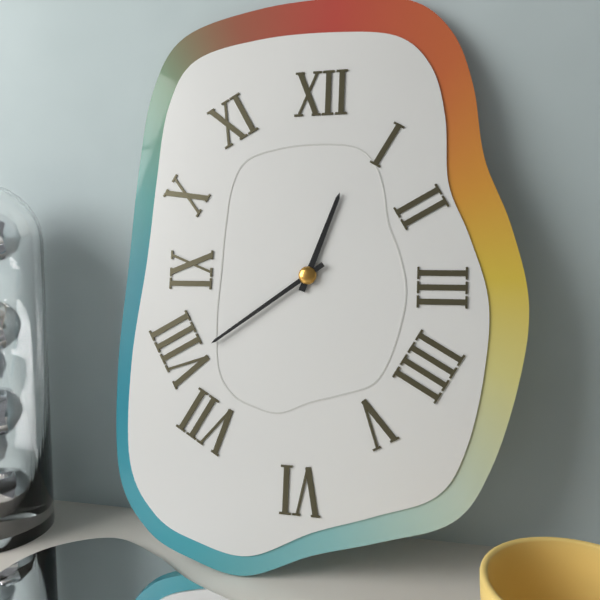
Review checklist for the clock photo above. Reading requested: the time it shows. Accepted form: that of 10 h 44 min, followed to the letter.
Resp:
12 h 39 min
